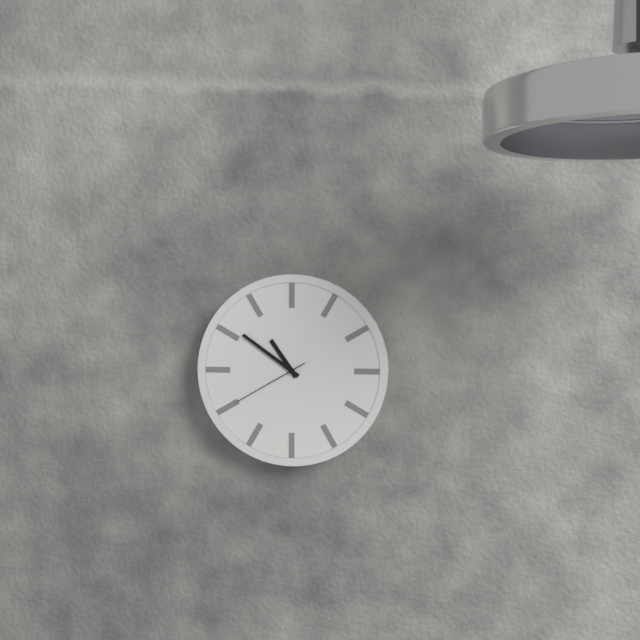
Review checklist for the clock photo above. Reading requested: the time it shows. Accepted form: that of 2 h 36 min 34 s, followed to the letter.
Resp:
10 h 51 min 40 s
